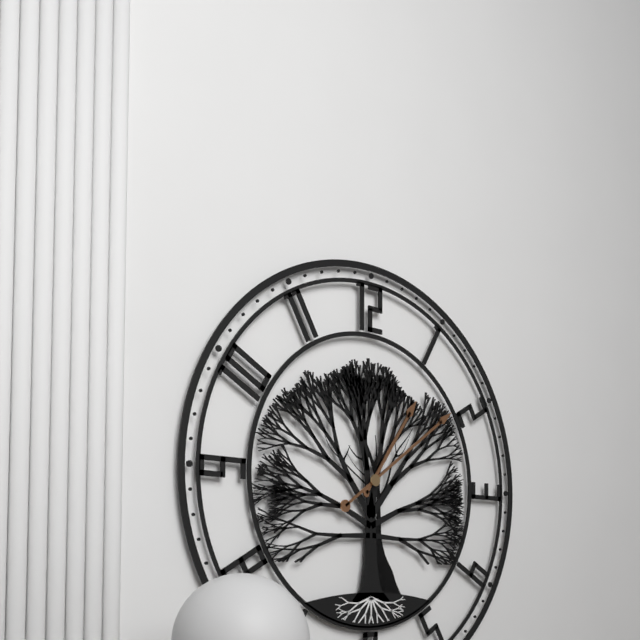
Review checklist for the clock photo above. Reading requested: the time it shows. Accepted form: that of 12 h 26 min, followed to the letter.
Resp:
1 h 09 min
